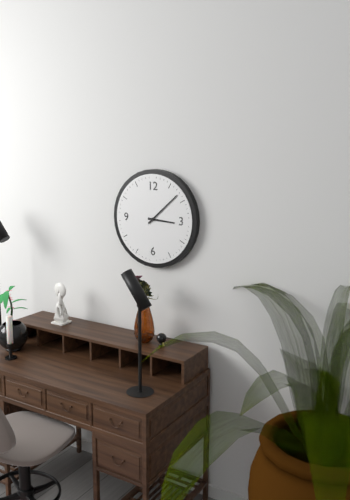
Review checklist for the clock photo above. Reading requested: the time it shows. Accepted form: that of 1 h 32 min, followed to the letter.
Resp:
3 h 08 min
